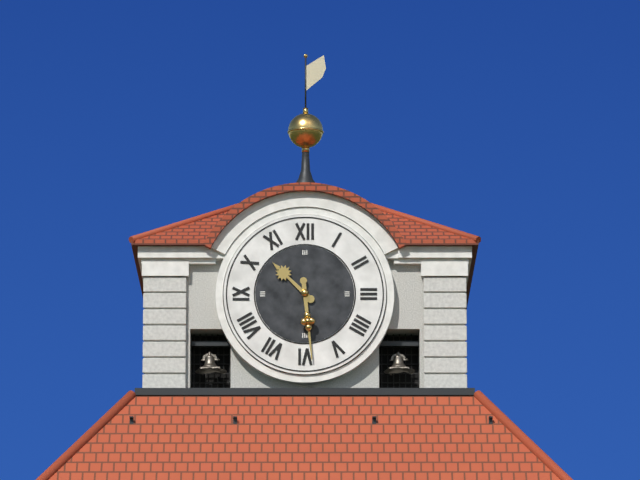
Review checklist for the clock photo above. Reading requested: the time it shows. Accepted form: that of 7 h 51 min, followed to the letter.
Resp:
10 h 29 min
